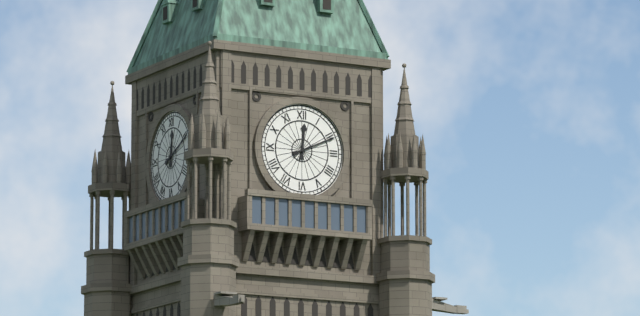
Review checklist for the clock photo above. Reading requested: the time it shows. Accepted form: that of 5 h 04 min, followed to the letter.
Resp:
12 h 11 min
